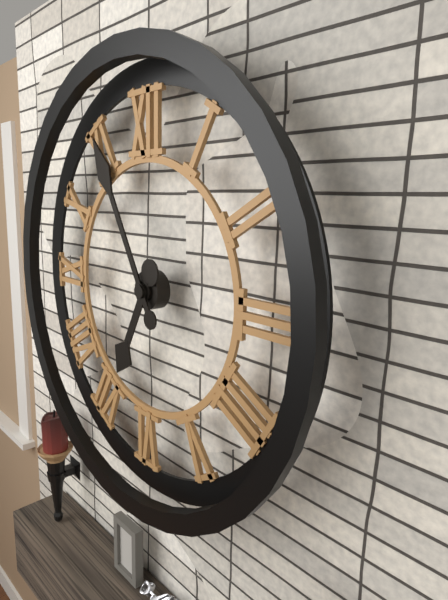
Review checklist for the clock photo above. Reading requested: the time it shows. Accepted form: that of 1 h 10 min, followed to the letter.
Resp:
6 h 55 min
